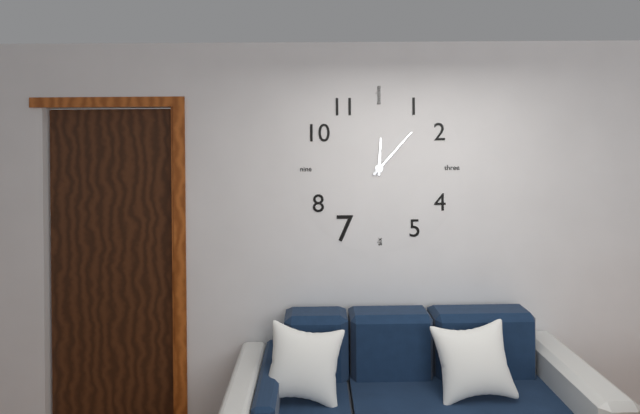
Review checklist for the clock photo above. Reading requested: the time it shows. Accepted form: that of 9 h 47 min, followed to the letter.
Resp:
12 h 07 min
